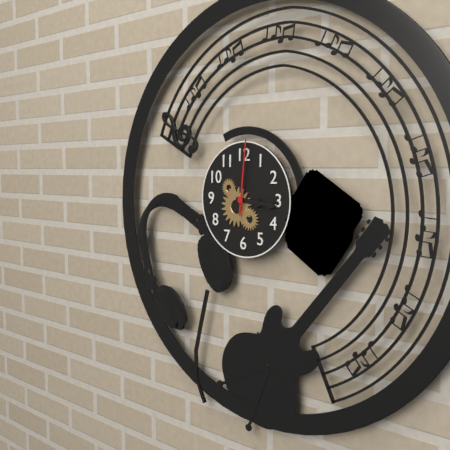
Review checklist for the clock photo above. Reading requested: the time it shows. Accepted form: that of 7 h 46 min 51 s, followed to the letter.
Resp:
3 h 16 min 01 s
